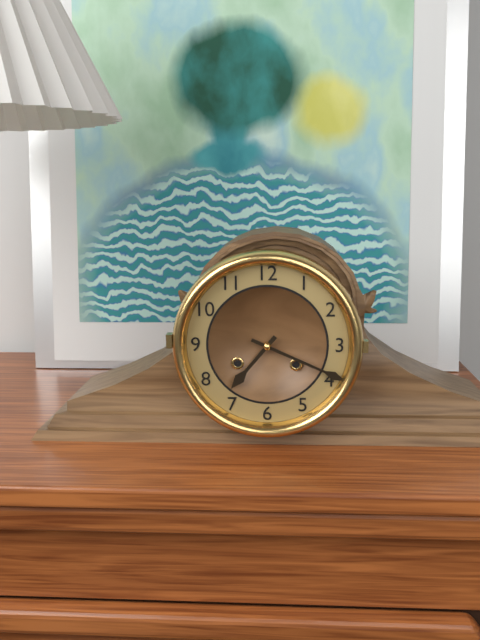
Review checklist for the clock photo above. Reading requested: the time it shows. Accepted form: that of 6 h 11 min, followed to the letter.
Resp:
7 h 19 min
